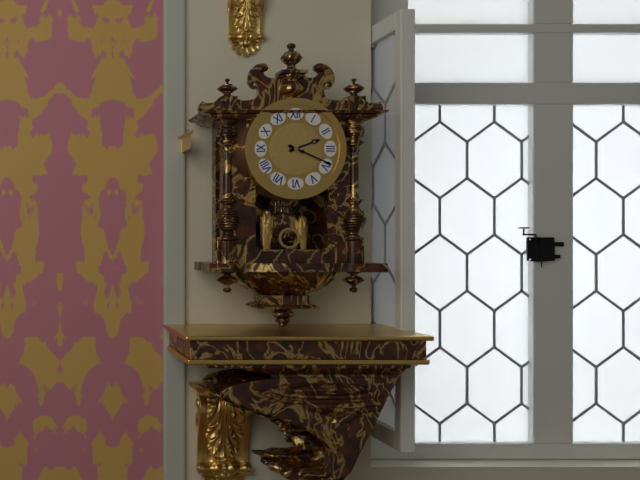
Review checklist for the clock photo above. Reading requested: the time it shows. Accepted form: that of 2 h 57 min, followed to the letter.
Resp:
2 h 19 min
